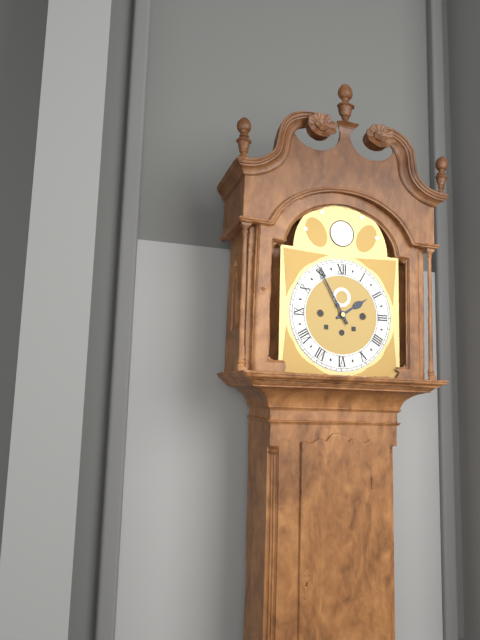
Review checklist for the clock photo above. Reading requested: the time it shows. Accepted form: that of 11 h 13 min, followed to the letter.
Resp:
1 h 55 min
